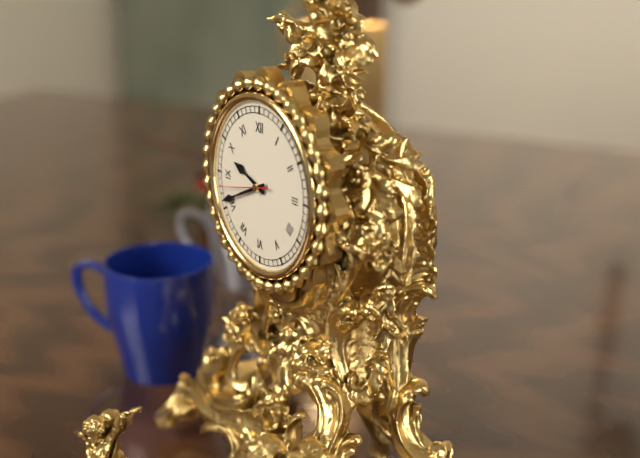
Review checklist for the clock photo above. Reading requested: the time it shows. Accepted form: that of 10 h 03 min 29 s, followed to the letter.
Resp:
9 h 41 min 43 s
